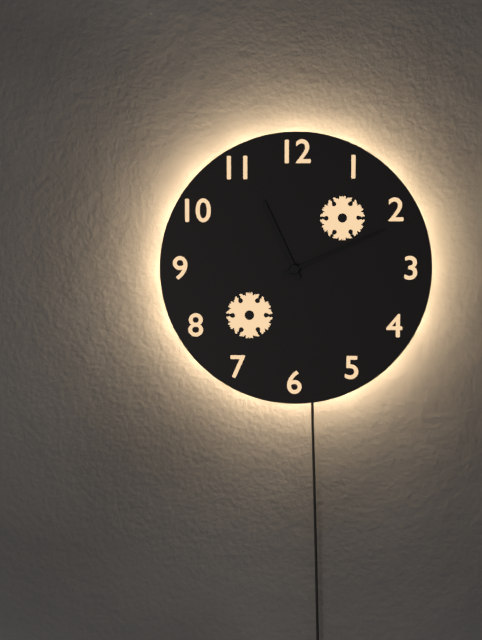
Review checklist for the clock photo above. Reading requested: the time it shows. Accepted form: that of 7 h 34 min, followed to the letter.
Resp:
11 h 11 min
